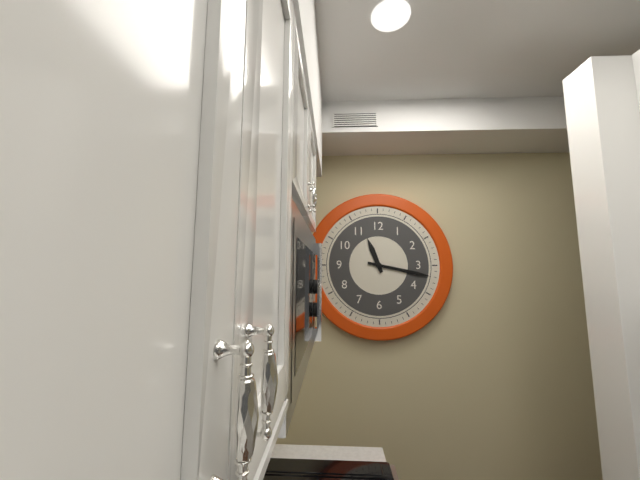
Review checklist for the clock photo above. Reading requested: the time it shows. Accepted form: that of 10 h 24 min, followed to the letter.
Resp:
11 h 17 min
